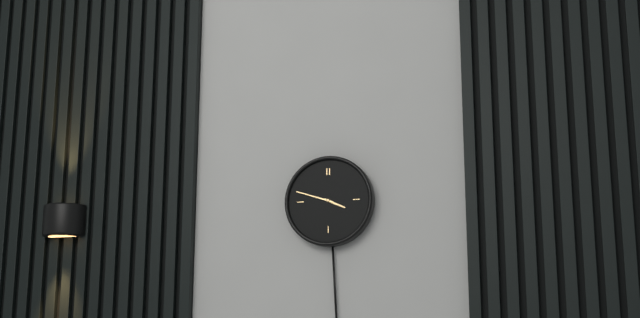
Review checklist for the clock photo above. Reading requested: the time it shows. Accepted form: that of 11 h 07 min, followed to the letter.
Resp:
3 h 48 min
